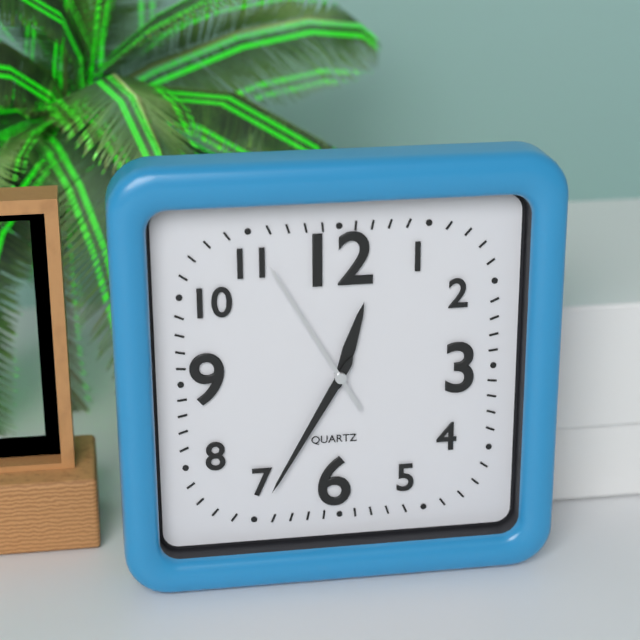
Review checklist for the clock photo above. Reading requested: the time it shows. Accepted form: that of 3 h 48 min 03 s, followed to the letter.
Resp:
12 h 35 min 55 s
